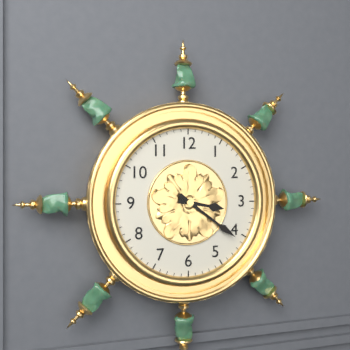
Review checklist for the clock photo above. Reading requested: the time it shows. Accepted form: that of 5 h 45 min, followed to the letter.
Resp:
3 h 21 min
